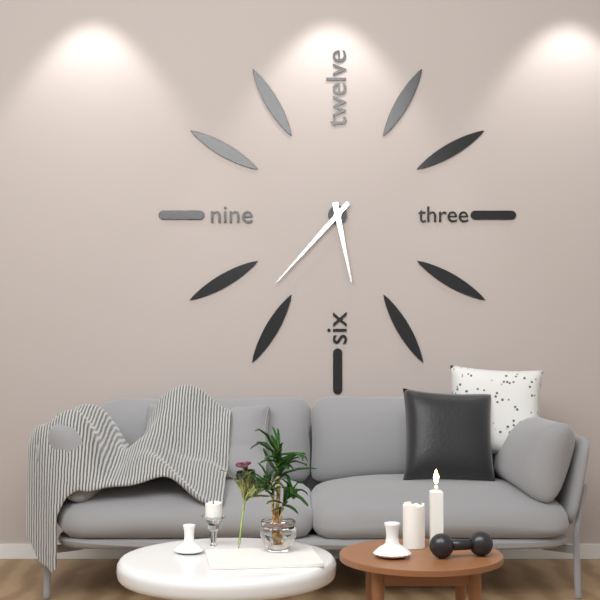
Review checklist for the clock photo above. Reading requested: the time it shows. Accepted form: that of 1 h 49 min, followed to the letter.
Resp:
5 h 37 min
